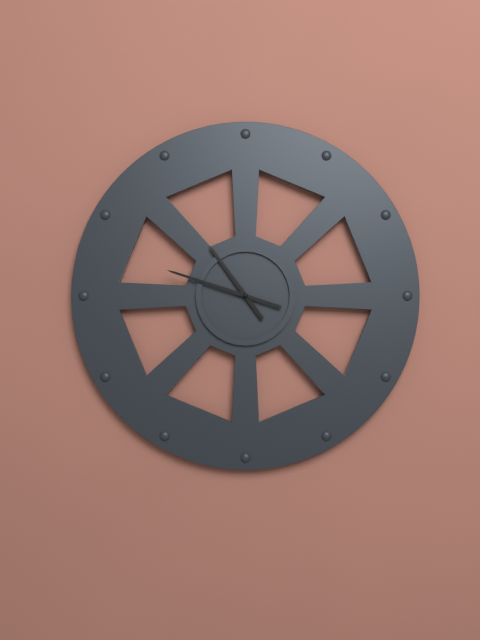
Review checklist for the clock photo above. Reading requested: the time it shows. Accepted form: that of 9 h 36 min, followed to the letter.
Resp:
10 h 48 min
